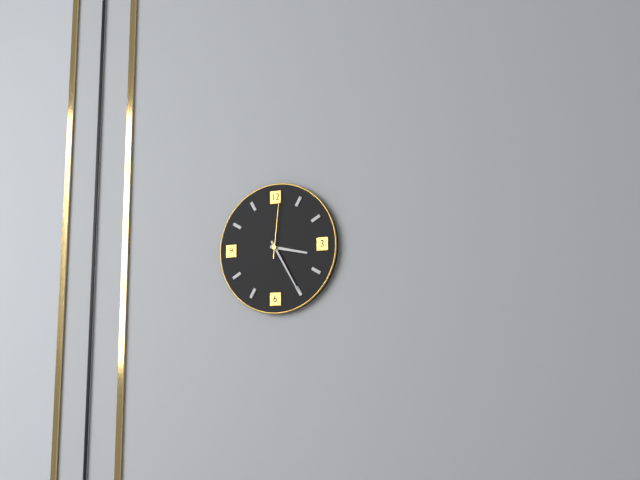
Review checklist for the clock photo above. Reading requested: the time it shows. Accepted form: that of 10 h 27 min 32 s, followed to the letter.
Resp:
3 h 25 min 01 s
